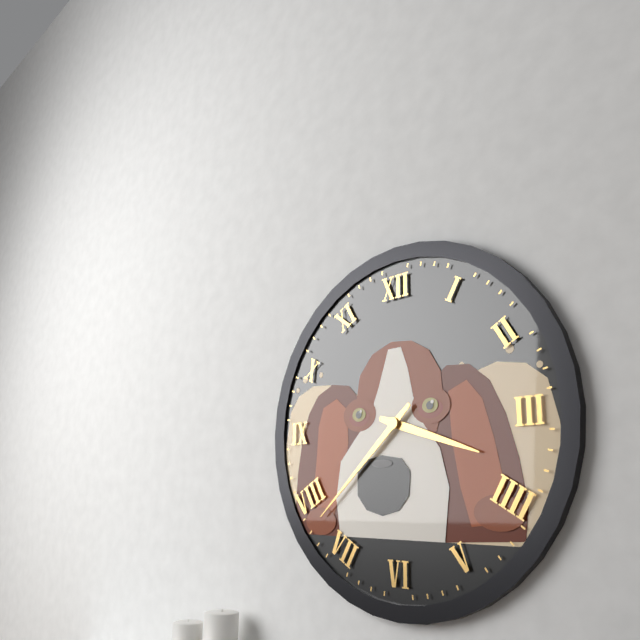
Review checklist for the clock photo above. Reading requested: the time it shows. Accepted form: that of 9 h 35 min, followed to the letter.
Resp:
3 h 38 min
